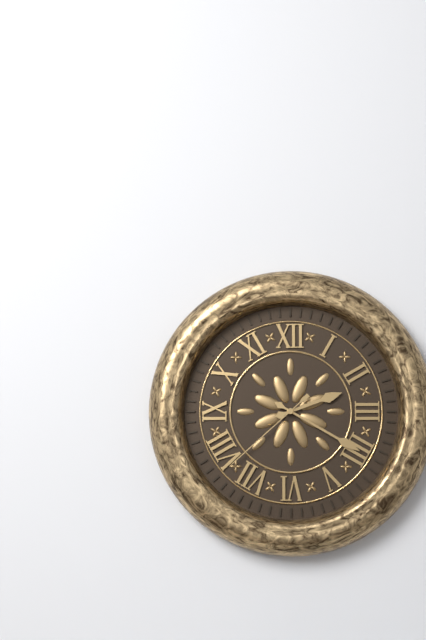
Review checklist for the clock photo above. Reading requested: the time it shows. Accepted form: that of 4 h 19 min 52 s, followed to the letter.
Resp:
2 h 20 min 38 s
